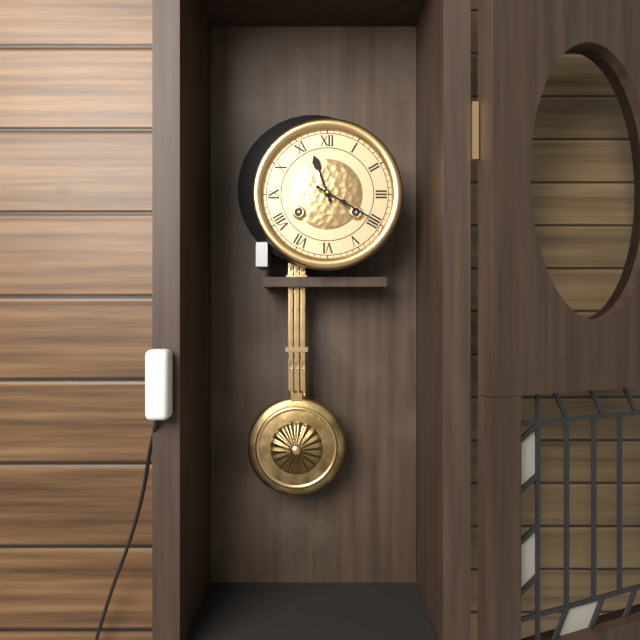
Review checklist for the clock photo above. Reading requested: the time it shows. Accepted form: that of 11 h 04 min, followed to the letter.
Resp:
11 h 20 min
